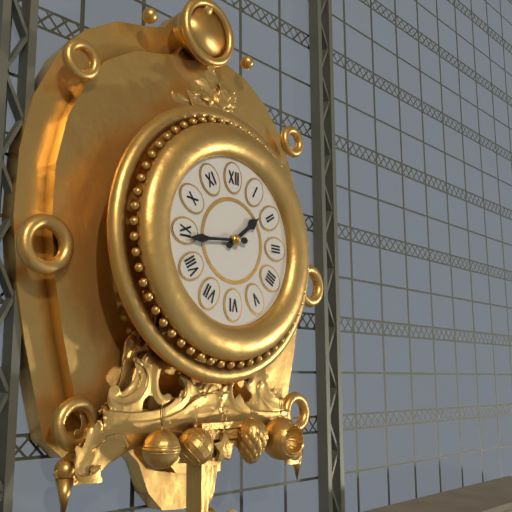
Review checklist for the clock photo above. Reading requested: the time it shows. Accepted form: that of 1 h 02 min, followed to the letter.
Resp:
1 h 44 min
